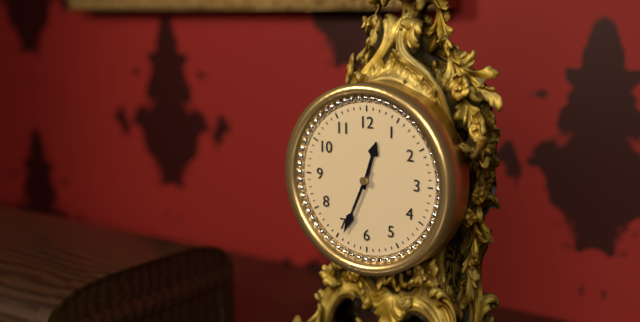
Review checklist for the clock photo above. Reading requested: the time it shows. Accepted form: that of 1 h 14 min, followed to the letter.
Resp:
12 h 34 min
